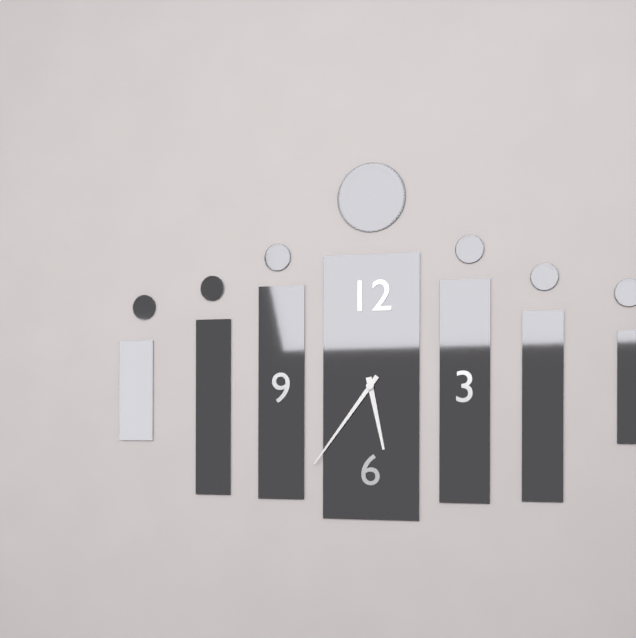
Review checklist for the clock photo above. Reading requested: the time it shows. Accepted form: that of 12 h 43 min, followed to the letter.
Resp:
5 h 36 min
